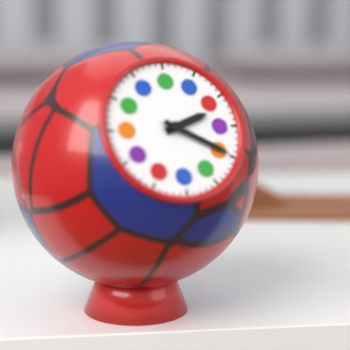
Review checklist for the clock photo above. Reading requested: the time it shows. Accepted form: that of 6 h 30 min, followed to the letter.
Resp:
2 h 20 min
